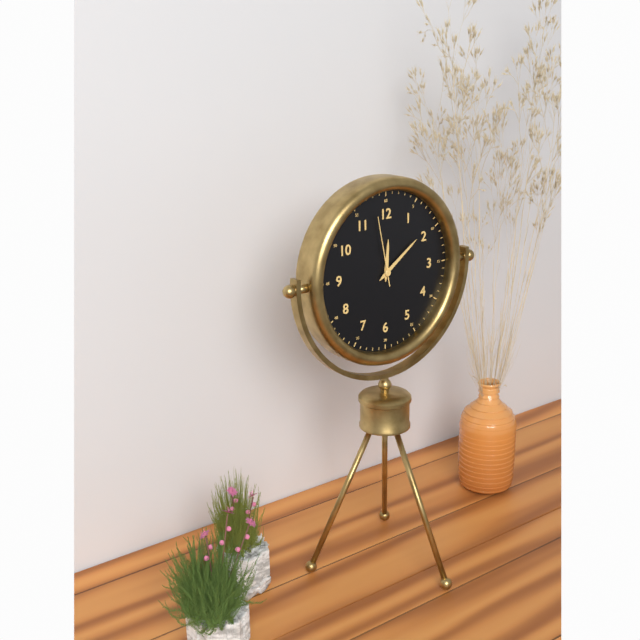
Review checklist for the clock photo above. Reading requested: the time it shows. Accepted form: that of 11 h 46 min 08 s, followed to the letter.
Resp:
12 h 09 min 58 s
